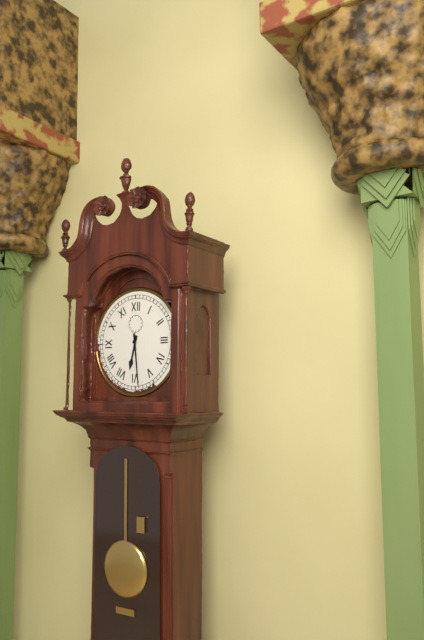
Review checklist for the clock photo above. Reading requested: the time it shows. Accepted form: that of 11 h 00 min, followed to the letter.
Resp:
6 h 29 min
